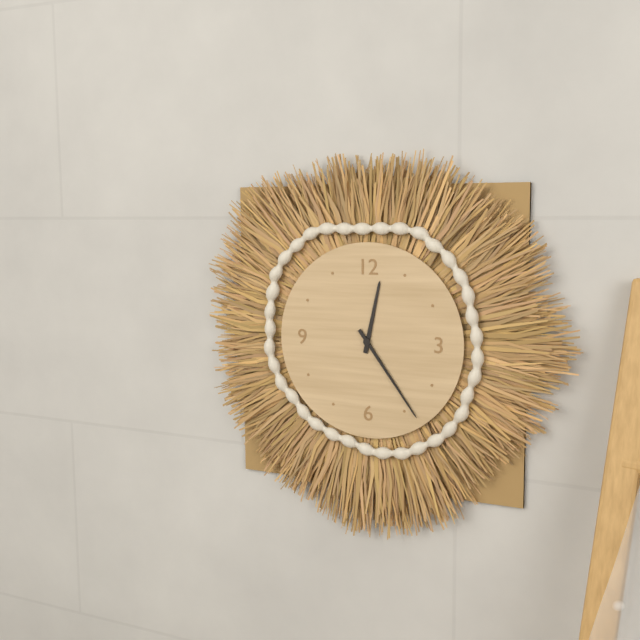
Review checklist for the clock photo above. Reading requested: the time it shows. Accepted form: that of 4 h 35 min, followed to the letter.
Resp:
12 h 24 min
